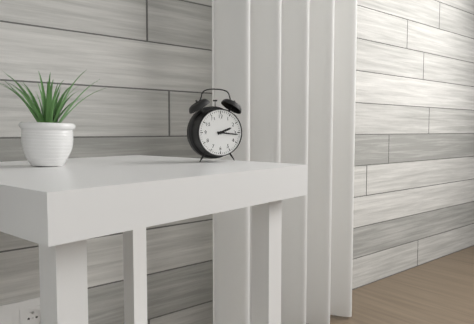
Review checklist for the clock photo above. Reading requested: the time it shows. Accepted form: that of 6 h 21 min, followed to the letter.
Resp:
2 h 16 min
